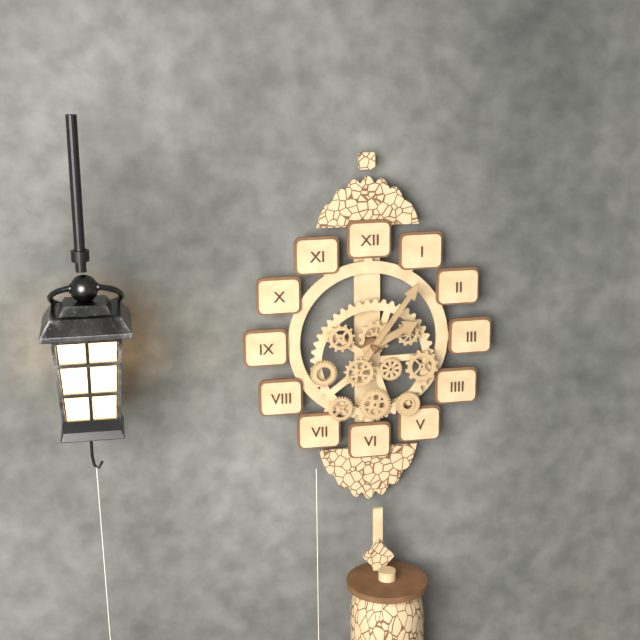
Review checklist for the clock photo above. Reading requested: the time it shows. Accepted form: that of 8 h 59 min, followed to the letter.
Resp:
2 h 06 min
